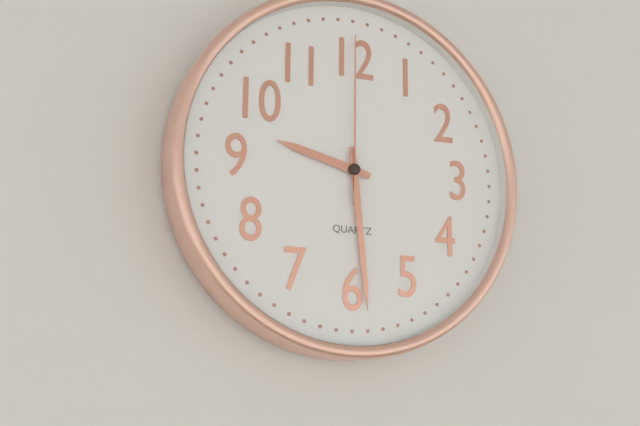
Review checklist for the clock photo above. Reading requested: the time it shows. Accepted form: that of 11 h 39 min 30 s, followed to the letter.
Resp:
9 h 29 min 00 s
